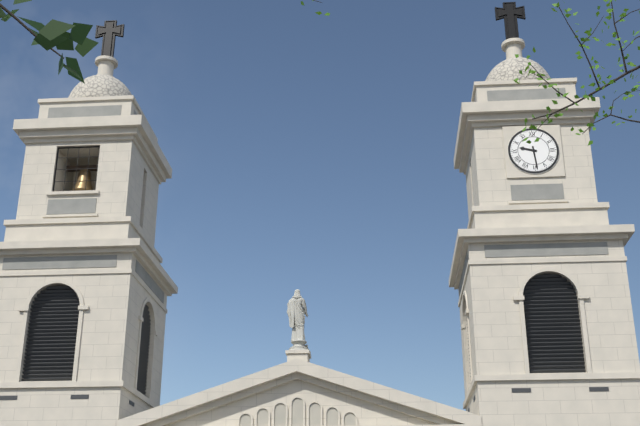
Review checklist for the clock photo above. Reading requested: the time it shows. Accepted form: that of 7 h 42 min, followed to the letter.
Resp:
9 h 29 min
